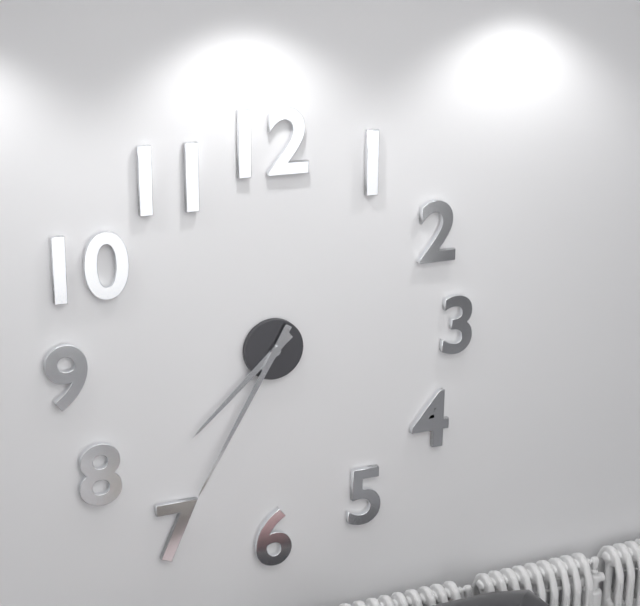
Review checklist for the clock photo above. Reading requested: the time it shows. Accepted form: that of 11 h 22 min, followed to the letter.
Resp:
7 h 35 min
